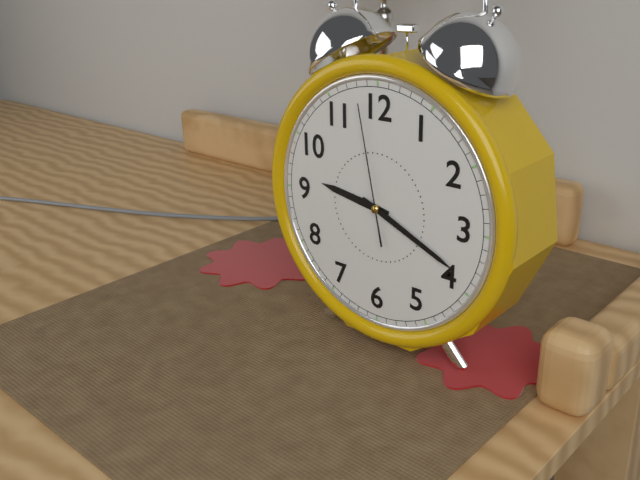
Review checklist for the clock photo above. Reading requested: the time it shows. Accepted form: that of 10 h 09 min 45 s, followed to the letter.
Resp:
9 h 19 min 58 s
